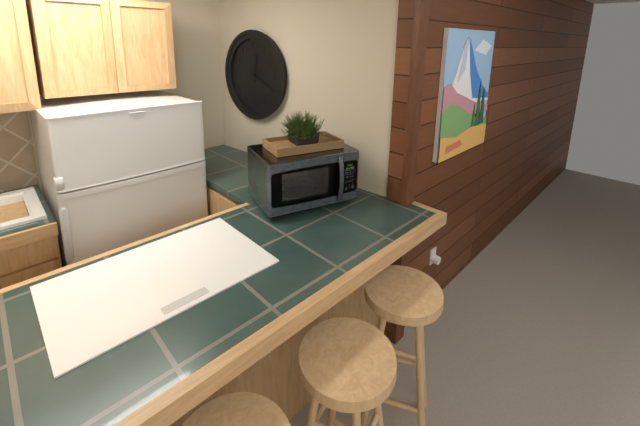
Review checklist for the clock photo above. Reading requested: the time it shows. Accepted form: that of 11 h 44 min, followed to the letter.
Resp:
12 h 19 min
